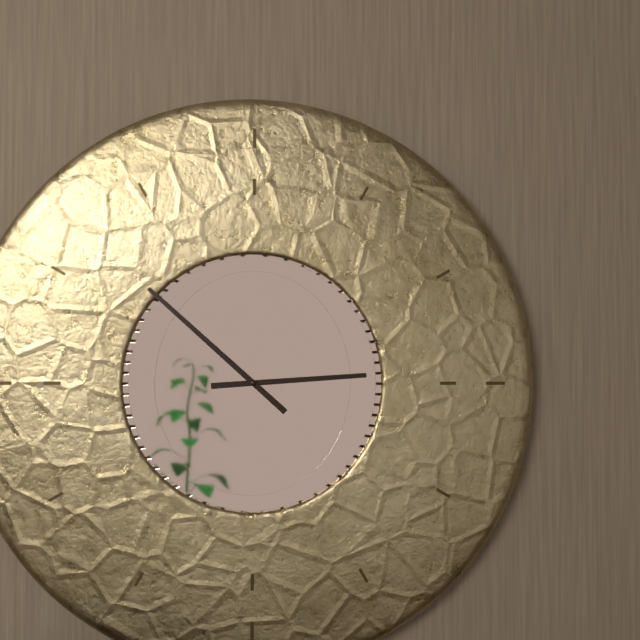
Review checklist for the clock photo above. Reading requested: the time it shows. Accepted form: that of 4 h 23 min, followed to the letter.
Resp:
2 h 52 min
